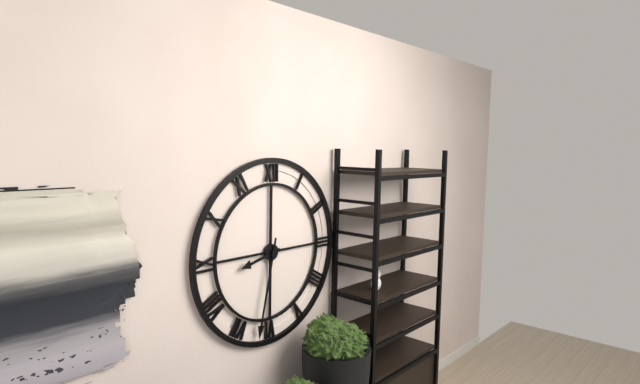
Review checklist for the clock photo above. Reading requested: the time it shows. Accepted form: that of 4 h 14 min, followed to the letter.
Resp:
8 h 32 min
